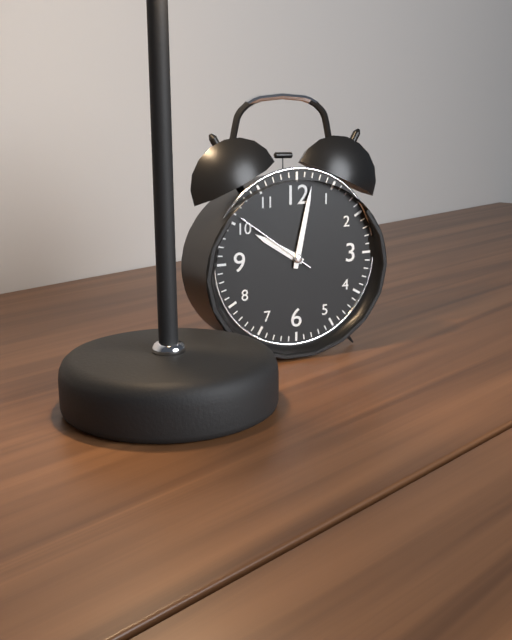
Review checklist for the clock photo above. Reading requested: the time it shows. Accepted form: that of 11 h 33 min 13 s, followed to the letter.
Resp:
10 h 02 min 51 s
